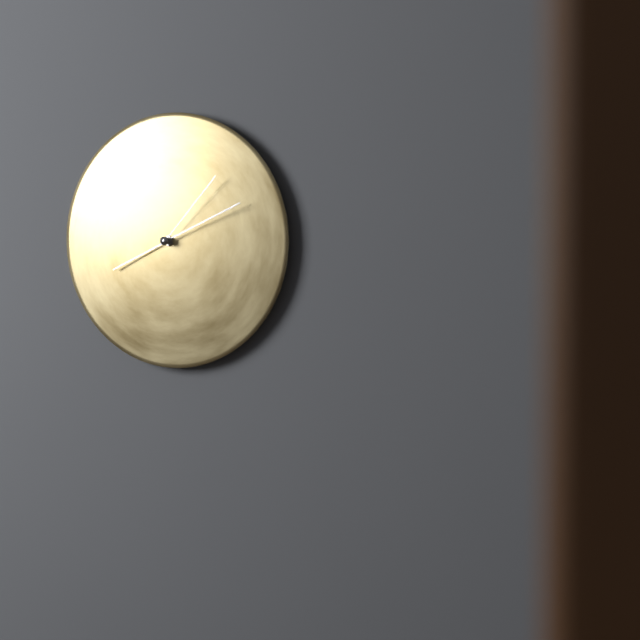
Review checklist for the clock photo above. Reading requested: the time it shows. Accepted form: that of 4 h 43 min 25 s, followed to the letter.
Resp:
8 h 11 min 07 s
